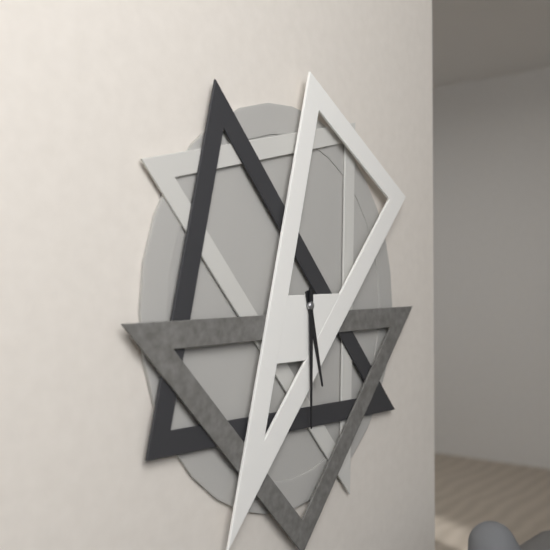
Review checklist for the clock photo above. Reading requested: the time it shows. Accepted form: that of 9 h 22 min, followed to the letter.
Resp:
5 h 30 min
